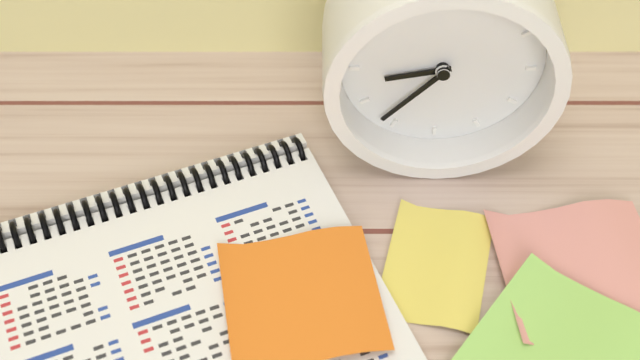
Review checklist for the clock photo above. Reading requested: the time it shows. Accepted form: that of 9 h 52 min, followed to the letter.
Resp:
8 h 37 min
